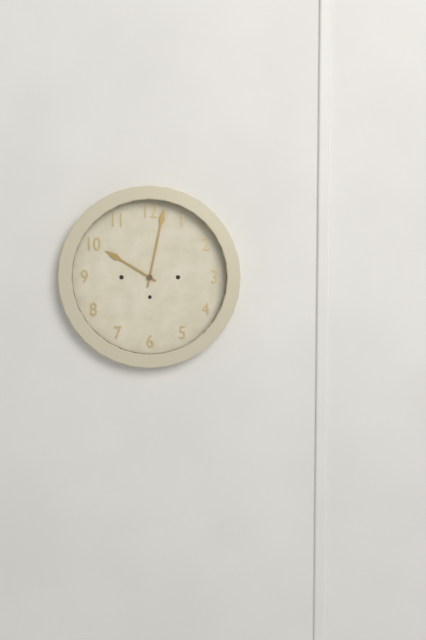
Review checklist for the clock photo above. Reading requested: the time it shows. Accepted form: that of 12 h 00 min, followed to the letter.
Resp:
10 h 02 min
